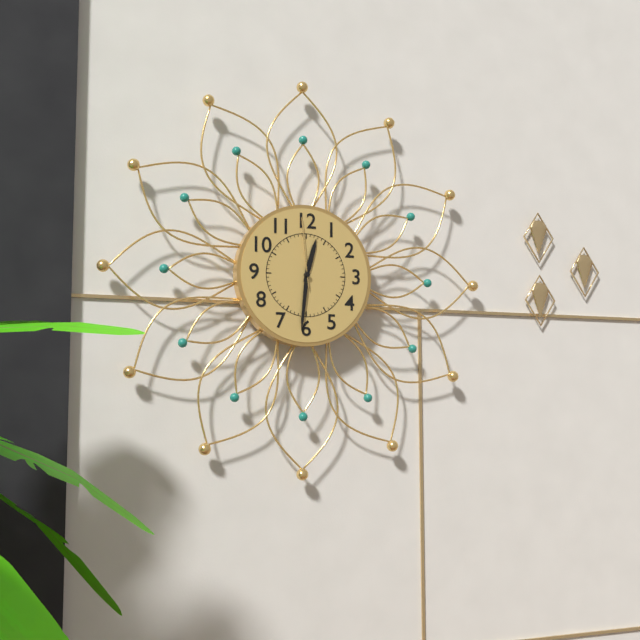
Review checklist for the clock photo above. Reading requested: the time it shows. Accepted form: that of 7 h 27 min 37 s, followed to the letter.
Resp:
12 h 31 min 59 s
